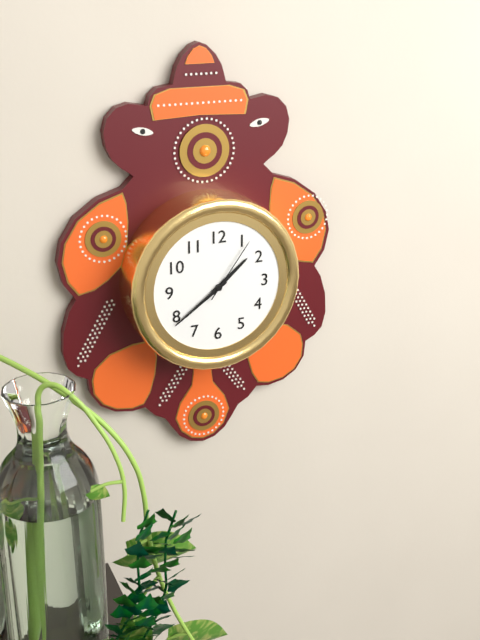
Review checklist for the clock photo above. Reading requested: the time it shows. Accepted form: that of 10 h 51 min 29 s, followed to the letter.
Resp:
1 h 39 min 06 s
